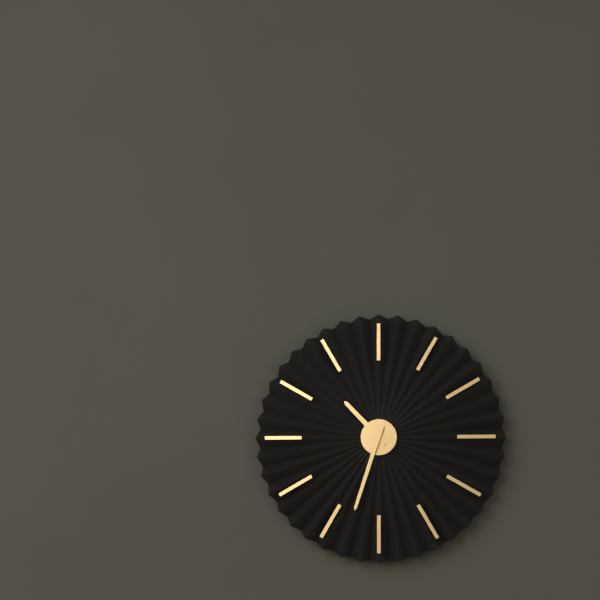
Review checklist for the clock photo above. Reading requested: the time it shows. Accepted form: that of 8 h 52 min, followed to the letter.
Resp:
10 h 33 min
